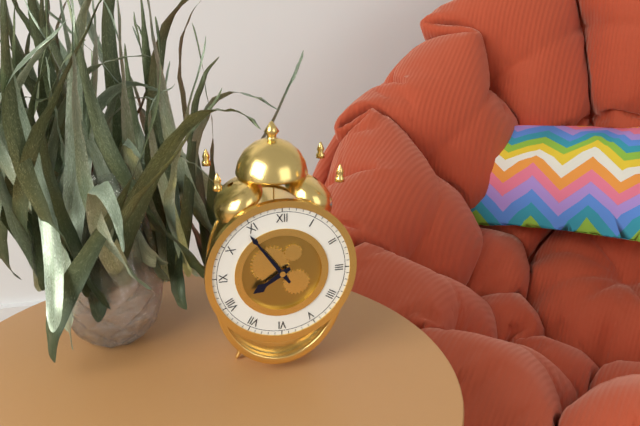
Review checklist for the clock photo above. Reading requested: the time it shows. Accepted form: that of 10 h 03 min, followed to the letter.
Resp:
7 h 54 min
